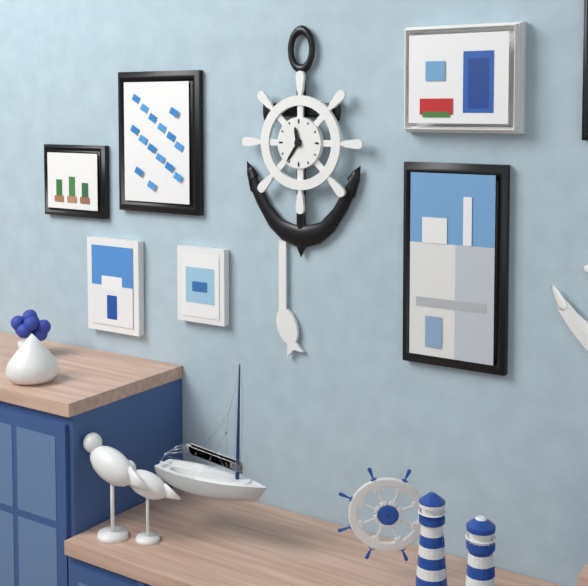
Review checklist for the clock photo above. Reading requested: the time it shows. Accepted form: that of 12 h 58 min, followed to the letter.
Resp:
11 h 36 min
